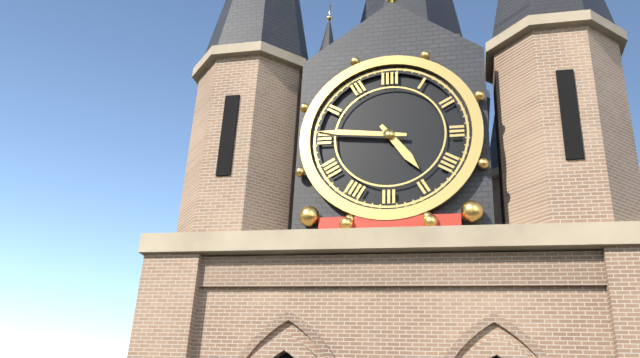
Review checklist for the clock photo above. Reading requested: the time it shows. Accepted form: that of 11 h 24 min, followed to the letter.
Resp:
4 h 46 min
